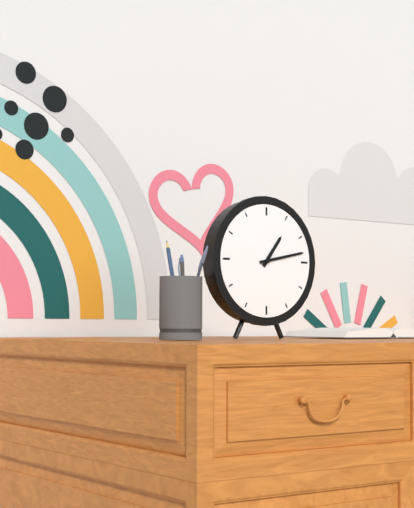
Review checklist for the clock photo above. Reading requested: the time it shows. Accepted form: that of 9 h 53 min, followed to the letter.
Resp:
1 h 13 min
